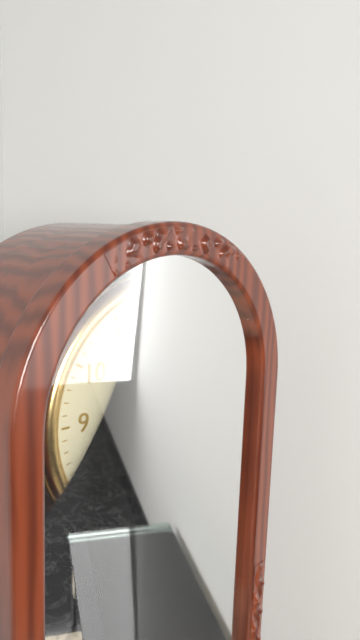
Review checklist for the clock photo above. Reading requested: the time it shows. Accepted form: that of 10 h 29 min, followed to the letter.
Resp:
8 h 04 min
